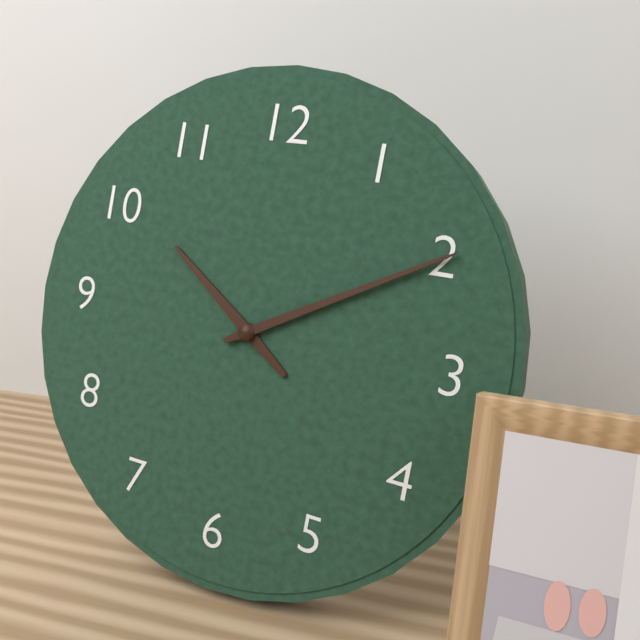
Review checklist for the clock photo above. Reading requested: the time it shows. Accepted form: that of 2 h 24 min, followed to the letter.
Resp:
10 h 10 min
